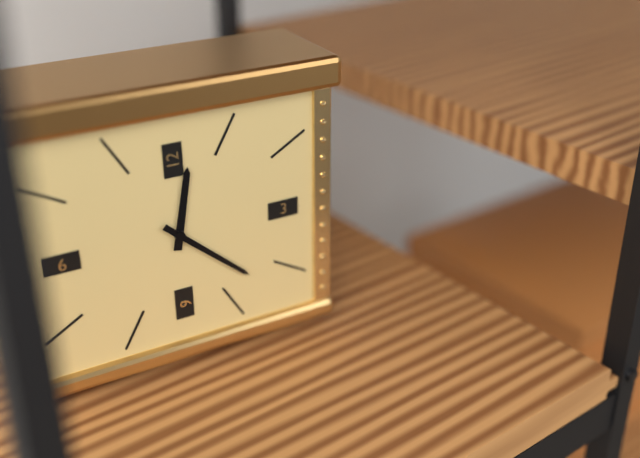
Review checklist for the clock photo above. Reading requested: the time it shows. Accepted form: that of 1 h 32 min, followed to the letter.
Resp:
12 h 22 min
